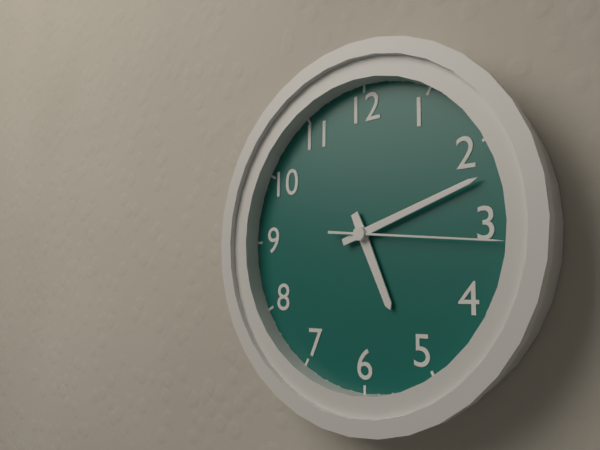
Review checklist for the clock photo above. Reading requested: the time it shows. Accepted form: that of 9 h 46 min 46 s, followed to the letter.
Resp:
5 h 12 min 16 s
